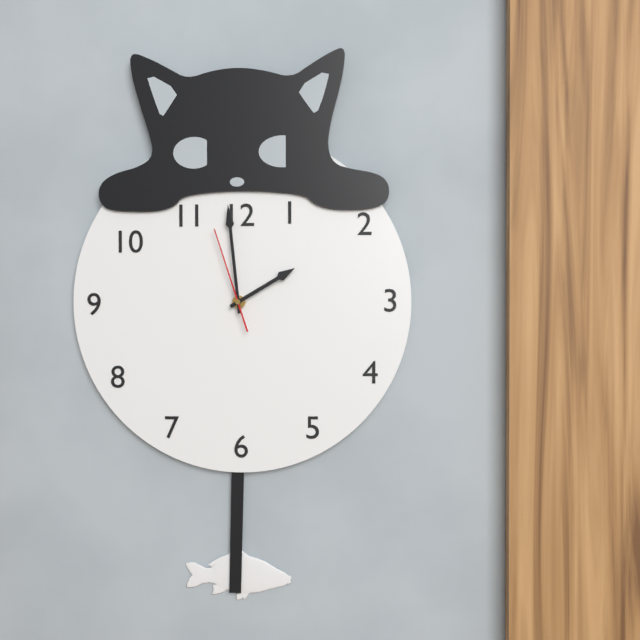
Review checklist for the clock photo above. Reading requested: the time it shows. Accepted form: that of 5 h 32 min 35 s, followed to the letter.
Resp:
1 h 59 min 57 s
